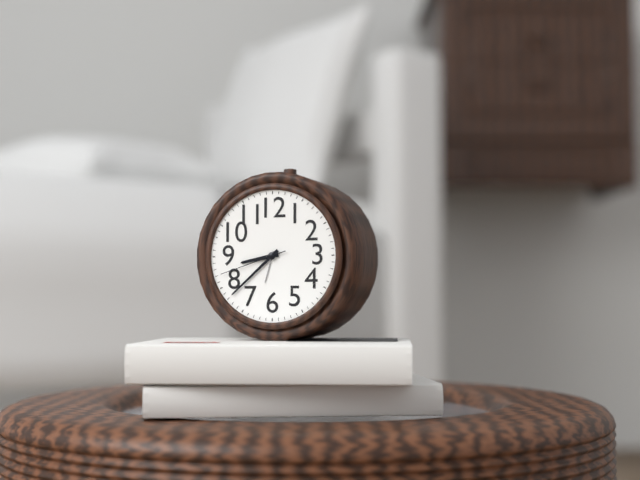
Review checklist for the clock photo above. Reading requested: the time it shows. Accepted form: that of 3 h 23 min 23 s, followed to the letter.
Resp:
8 h 38 min 42 s
